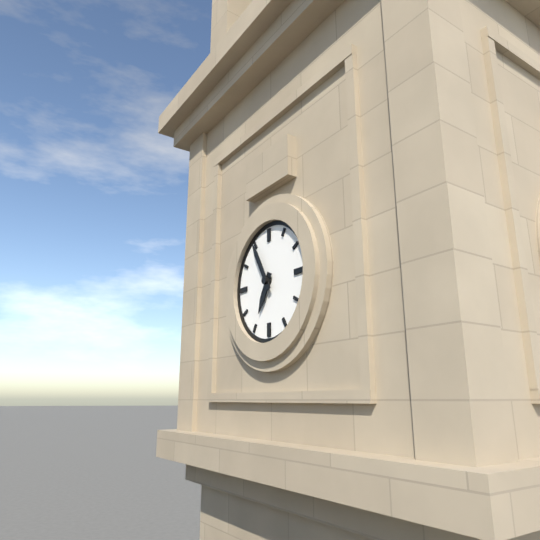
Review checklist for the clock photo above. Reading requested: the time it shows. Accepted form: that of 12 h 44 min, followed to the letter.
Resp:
6 h 55 min
